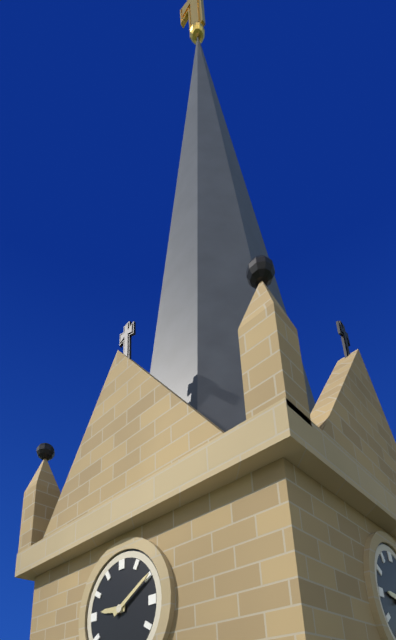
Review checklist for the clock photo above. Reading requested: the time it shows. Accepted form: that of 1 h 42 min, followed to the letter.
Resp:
9 h 10 min
